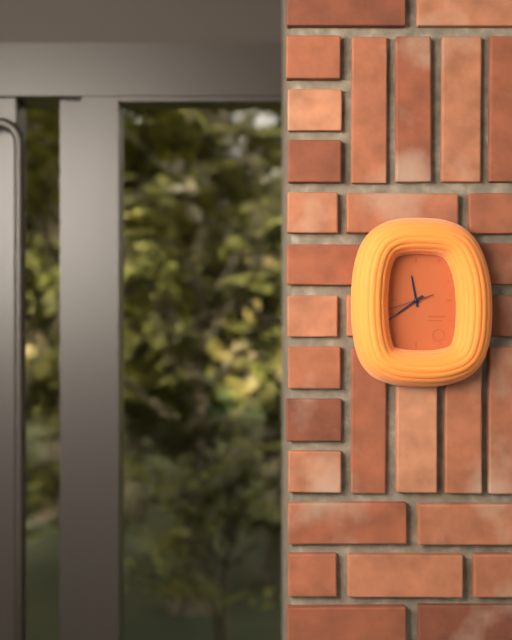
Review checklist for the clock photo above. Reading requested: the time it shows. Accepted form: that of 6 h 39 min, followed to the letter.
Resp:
11 h 39 min
